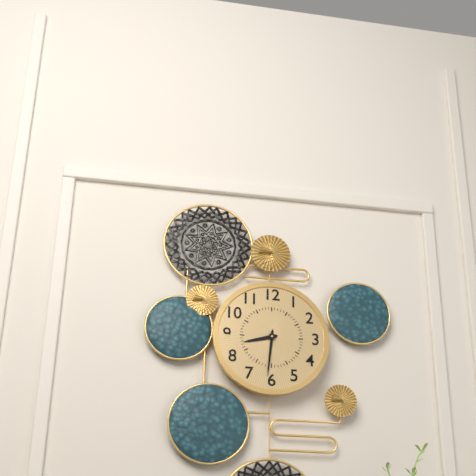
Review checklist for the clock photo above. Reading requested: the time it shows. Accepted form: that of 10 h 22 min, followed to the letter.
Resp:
8 h 31 min
